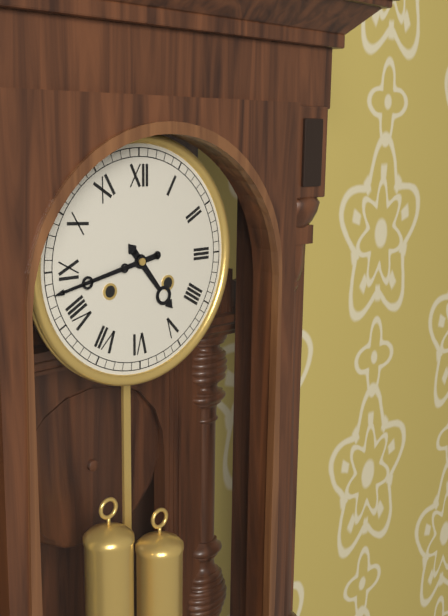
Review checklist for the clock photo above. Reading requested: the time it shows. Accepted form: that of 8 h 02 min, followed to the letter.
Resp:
4 h 43 min
